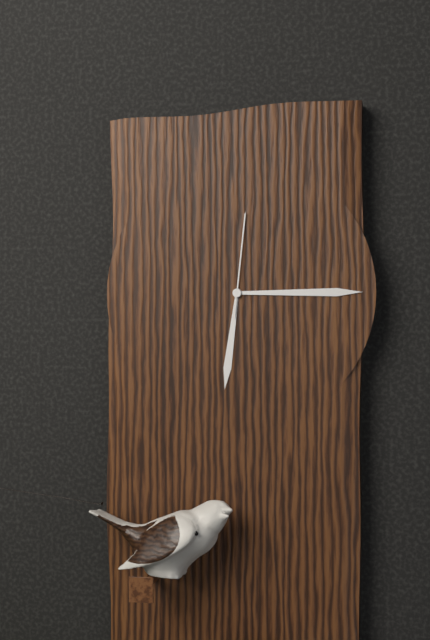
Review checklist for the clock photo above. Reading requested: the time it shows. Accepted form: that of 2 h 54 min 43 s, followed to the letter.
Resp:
6 h 15 min 01 s
